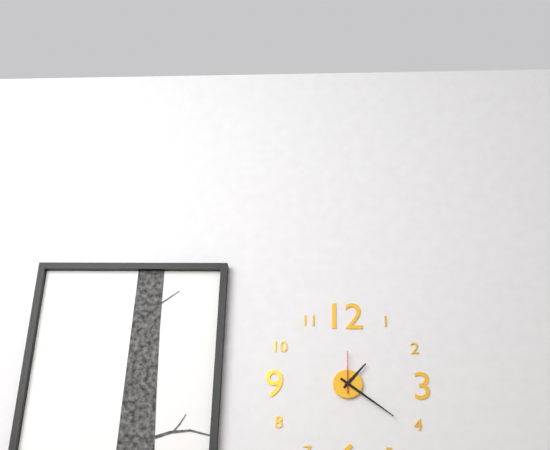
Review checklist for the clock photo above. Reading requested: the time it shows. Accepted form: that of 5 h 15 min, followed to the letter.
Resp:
1 h 21 min
